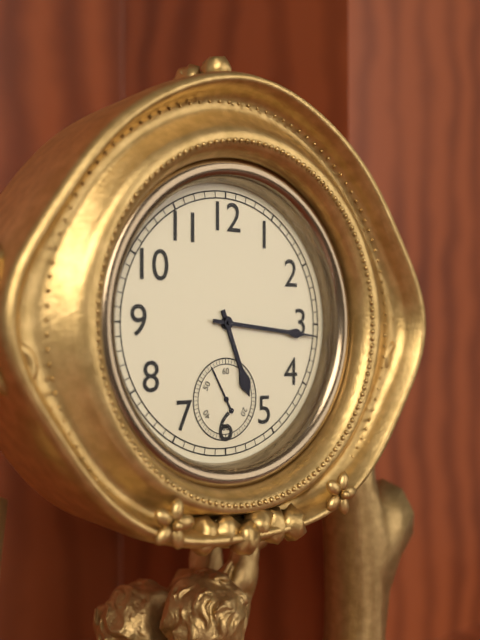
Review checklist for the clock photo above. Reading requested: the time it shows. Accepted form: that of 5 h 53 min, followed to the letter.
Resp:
5 h 16 min
